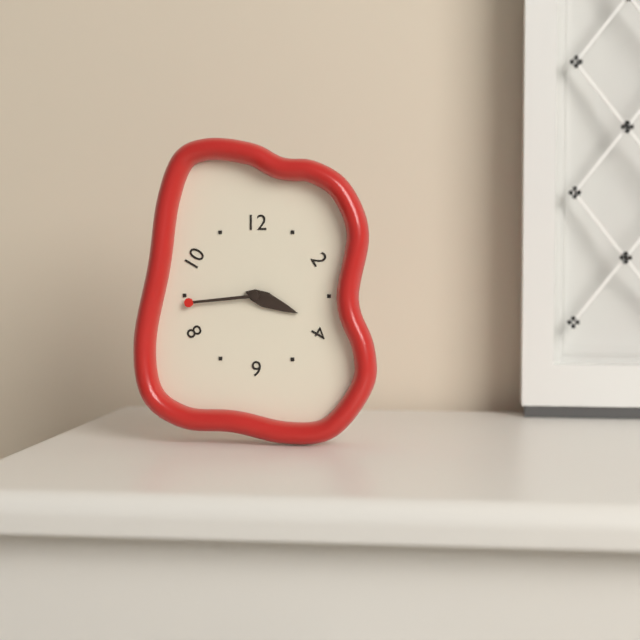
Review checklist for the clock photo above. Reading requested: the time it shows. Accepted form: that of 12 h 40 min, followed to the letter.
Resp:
3 h 44 min
